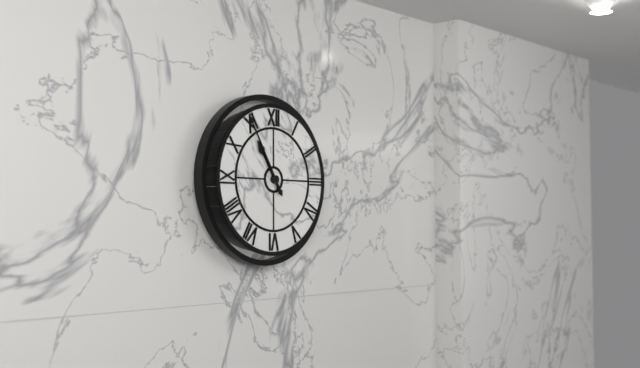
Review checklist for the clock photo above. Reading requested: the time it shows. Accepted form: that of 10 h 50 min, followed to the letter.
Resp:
10 h 55 min
